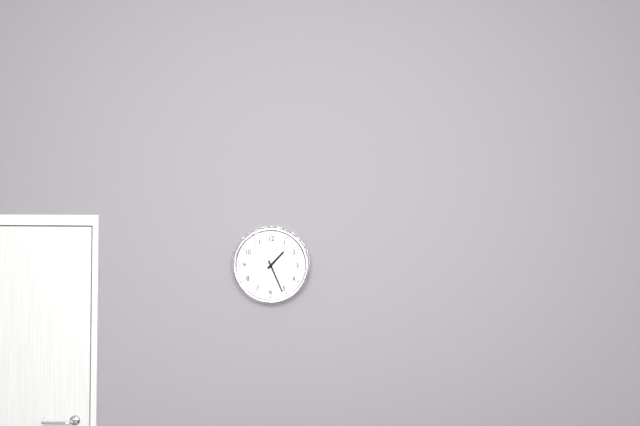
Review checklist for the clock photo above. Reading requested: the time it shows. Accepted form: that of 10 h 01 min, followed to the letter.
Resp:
1 h 26 min
